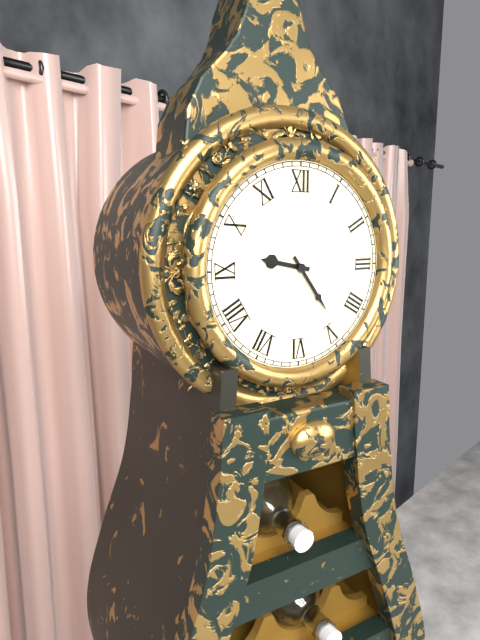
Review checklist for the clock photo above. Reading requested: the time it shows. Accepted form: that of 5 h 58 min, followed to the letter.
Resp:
9 h 24 min
